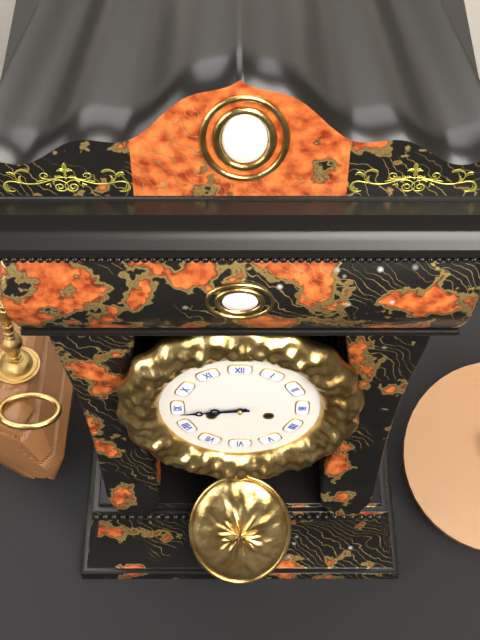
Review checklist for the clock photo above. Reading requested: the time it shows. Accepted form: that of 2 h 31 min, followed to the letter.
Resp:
8 h 44 min
